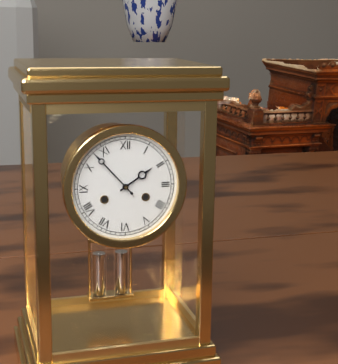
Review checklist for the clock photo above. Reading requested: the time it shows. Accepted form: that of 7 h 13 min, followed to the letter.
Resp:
1 h 53 min
